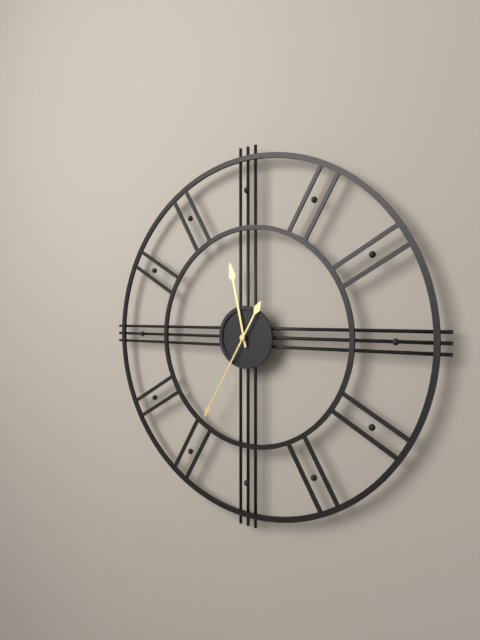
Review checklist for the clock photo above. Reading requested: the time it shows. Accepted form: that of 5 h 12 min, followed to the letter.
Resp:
11 h 35 min
